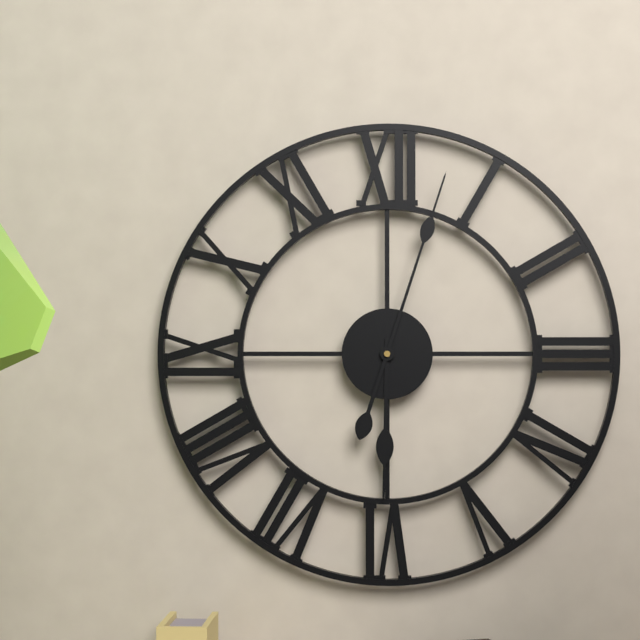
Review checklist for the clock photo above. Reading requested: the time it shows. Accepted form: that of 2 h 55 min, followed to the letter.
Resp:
6 h 03 min
